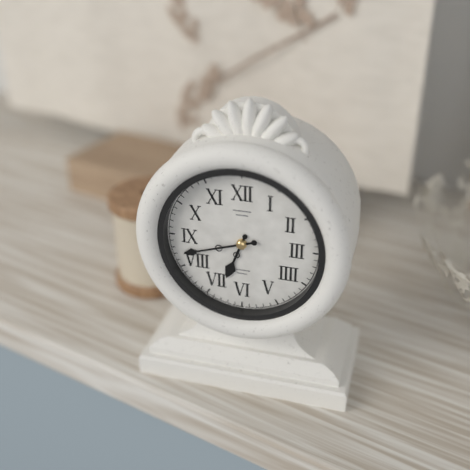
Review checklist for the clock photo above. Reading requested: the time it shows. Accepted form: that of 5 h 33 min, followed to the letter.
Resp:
6 h 42 min
